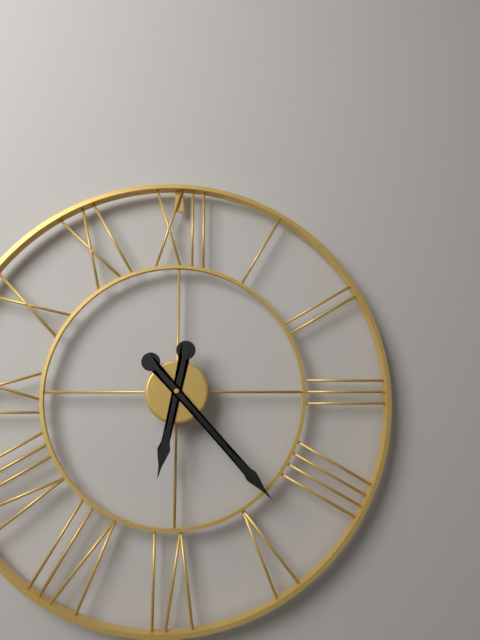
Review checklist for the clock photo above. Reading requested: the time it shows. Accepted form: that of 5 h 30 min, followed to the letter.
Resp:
6 h 23 min
